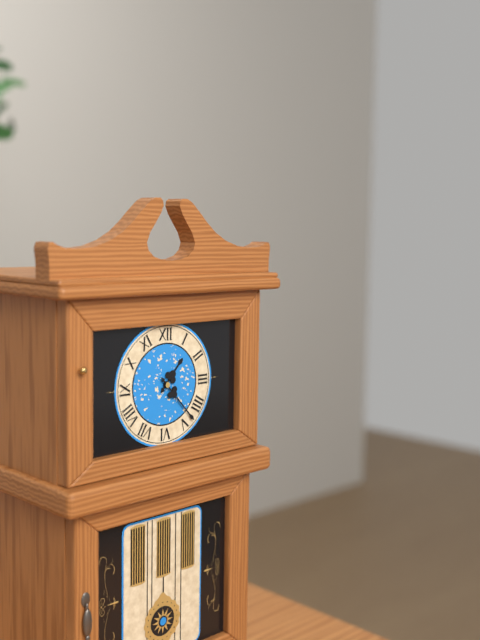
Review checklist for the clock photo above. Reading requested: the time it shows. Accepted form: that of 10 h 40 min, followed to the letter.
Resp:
1 h 23 min
